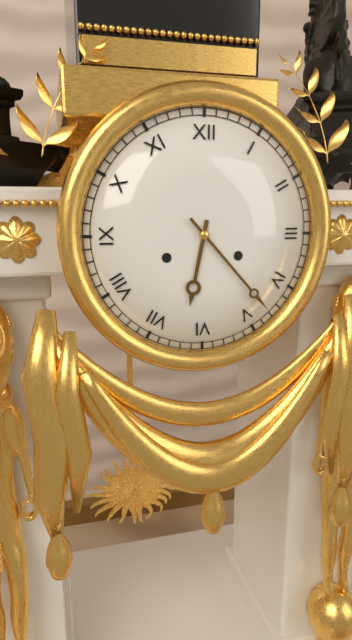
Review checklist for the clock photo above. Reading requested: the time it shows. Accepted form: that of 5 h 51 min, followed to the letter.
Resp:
6 h 23 min
